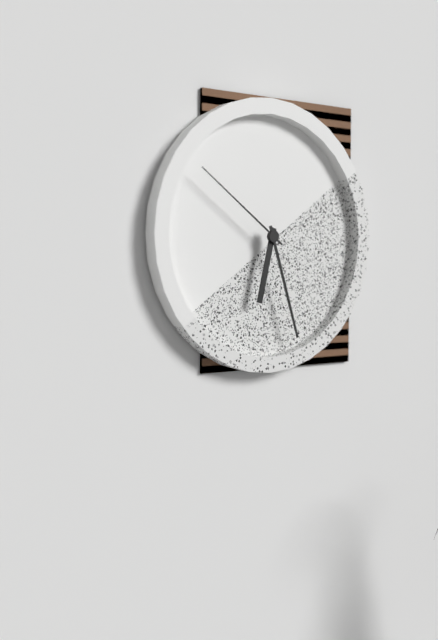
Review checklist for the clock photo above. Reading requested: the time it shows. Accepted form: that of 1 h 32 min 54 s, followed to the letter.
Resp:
6 h 27 min 51 s
